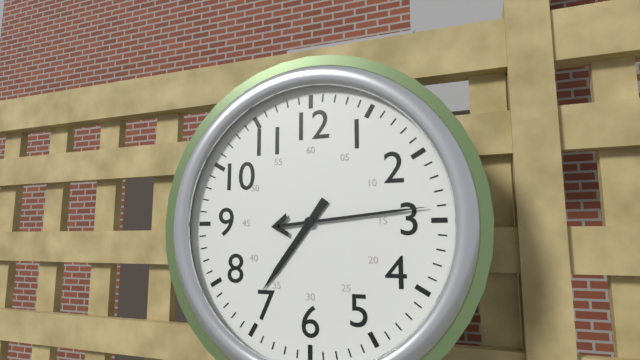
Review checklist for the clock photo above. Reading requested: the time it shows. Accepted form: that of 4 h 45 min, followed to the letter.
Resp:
7 h 14 min
